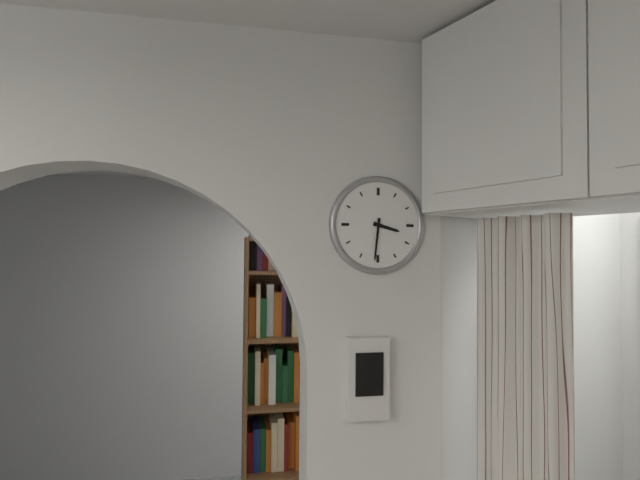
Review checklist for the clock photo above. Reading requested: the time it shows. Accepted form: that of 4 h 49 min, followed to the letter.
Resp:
3 h 31 min
